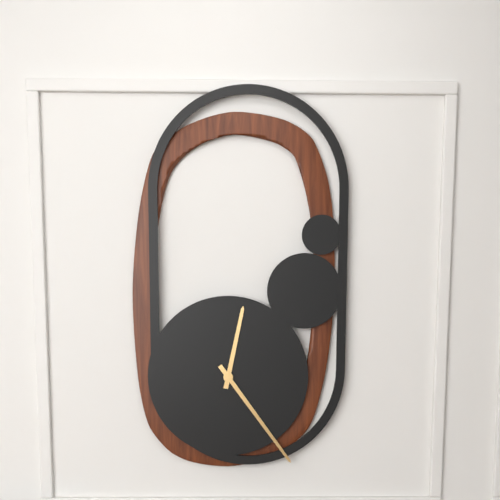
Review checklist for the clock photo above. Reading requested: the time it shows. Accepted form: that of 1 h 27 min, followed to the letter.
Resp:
12 h 24 min
